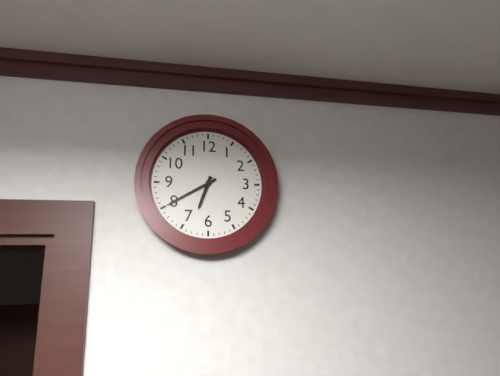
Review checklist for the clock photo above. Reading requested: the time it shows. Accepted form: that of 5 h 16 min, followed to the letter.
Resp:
6 h 40 min
